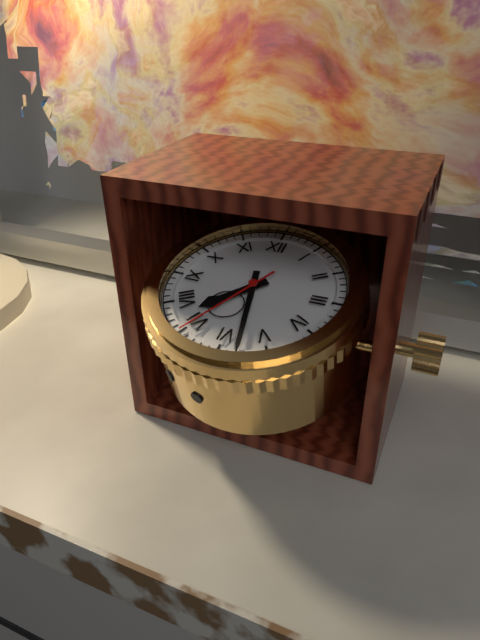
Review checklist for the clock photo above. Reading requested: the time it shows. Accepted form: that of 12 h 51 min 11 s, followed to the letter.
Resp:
7 h 28 min 35 s
